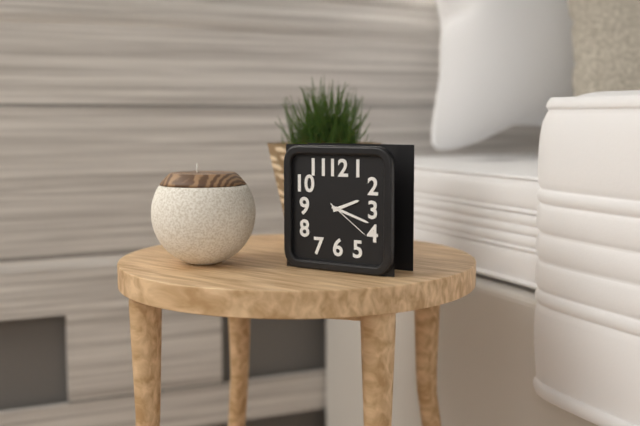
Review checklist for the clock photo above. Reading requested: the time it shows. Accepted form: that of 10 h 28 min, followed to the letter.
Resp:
2 h 18 min
